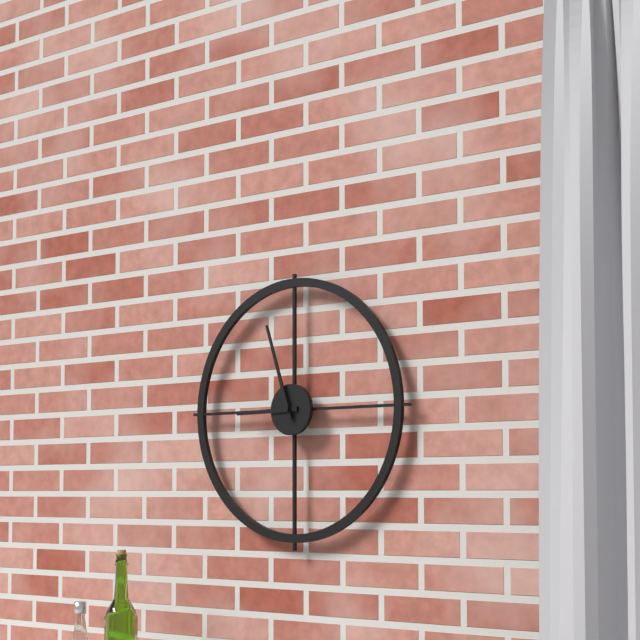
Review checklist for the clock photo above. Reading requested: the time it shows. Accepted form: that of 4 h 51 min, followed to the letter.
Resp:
8 h 57 min
